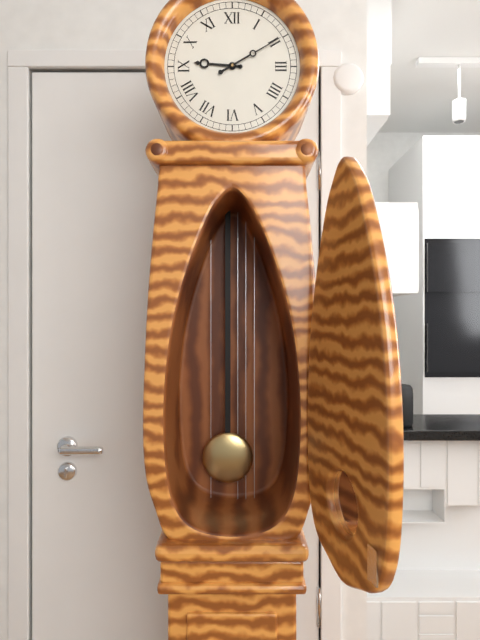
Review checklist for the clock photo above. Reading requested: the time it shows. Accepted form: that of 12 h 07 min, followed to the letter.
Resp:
9 h 10 min
